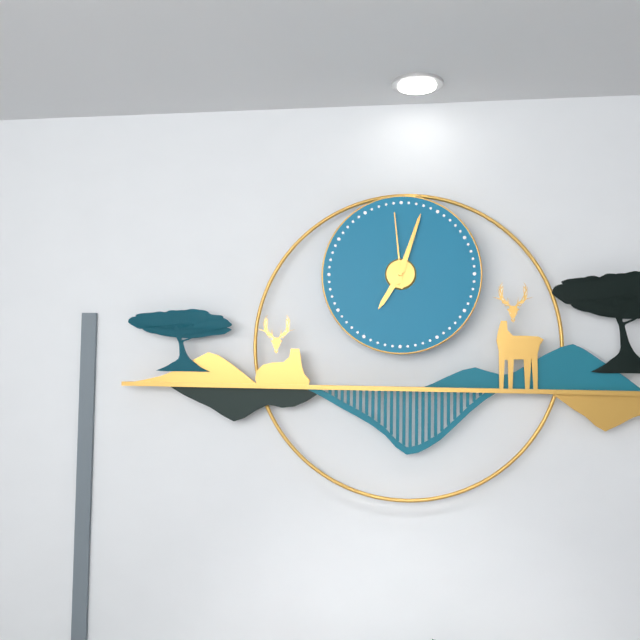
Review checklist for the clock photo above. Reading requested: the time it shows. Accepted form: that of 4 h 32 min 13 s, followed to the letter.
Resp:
7 h 03 min 59 s
